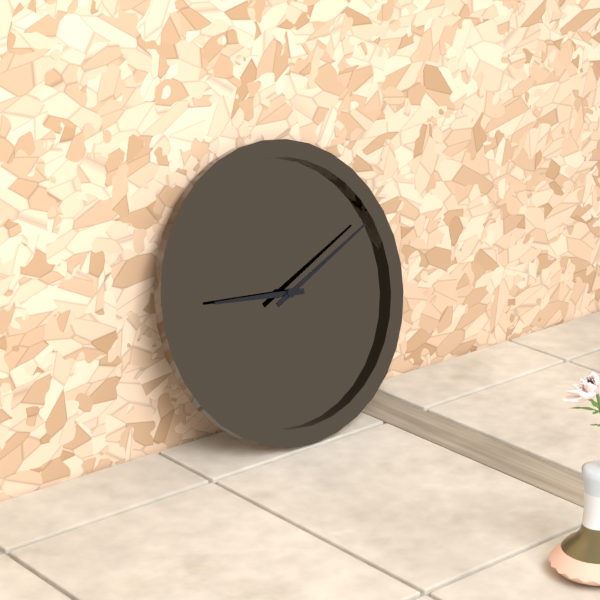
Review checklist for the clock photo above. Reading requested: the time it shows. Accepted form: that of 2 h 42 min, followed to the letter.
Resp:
9 h 11 min
